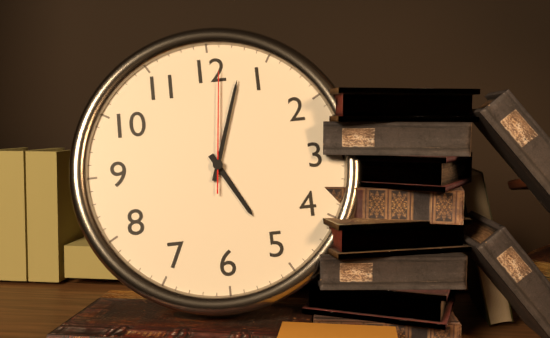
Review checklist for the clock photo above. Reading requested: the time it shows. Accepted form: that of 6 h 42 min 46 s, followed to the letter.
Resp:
5 h 03 min 01 s
